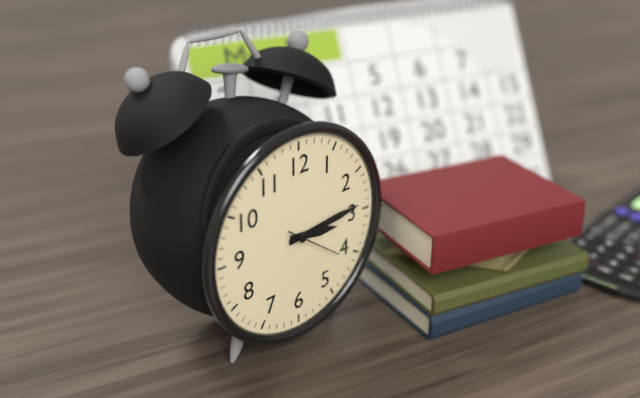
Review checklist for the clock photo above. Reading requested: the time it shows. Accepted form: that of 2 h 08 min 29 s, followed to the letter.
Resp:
3 h 14 min 21 s
